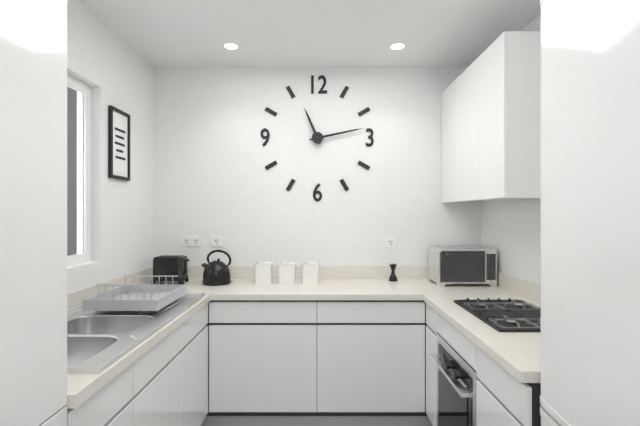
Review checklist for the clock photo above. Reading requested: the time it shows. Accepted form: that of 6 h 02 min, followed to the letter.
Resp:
11 h 13 min
